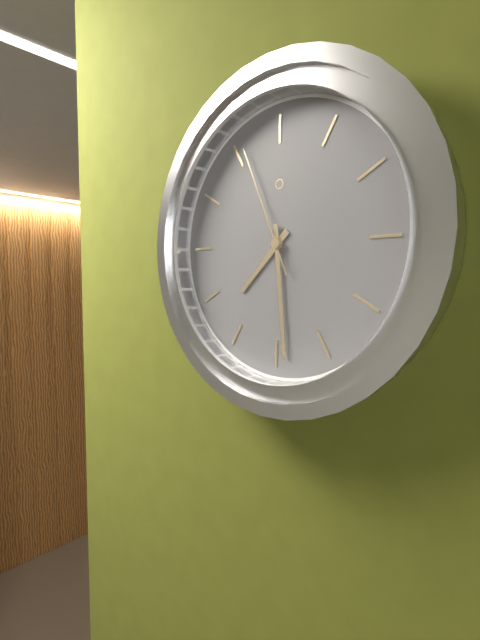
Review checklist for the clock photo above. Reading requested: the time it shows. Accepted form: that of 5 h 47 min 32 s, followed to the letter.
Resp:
7 h 29 min 56 s
